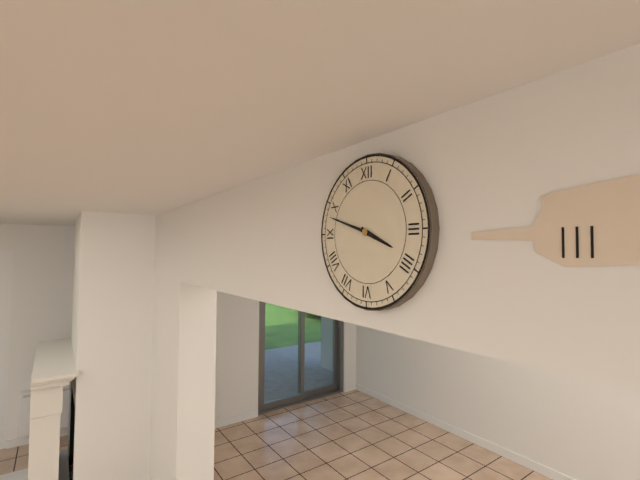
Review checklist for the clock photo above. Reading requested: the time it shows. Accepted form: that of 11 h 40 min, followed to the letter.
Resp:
3 h 48 min
